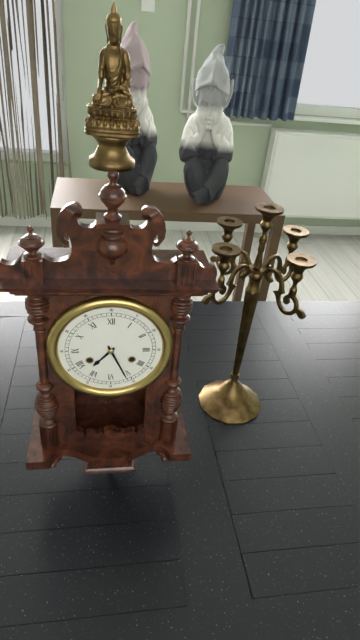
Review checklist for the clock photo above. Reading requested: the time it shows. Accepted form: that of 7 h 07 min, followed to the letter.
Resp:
7 h 26 min
